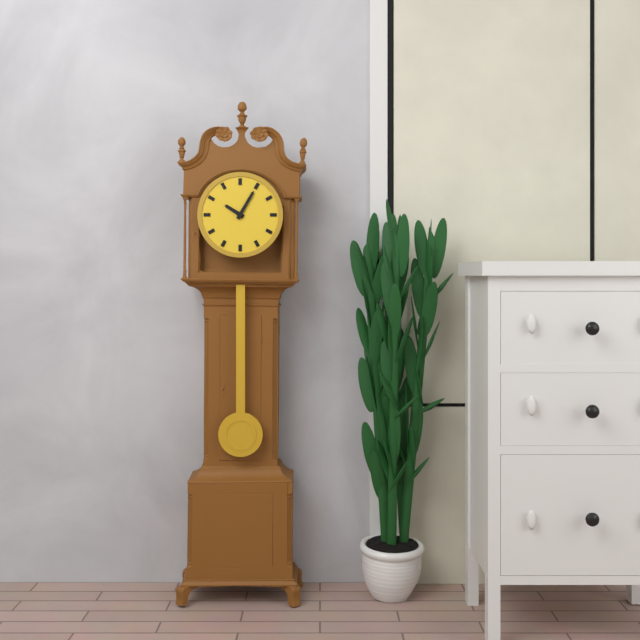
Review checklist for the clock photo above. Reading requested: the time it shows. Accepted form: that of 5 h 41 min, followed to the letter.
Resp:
10 h 05 min
